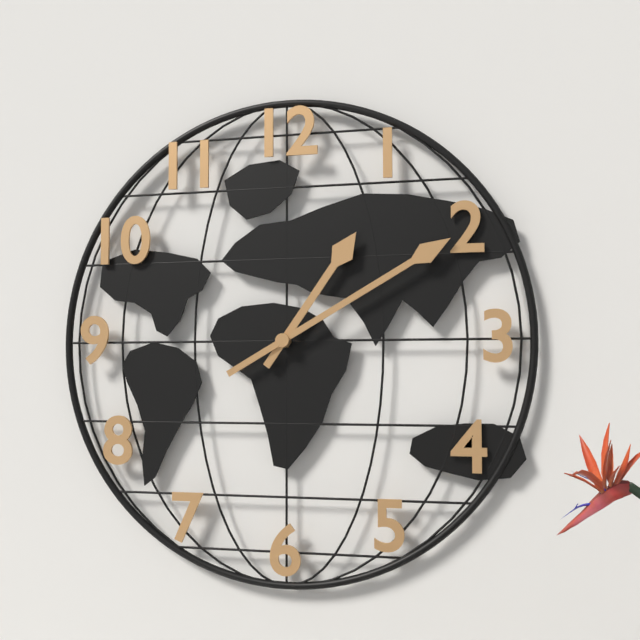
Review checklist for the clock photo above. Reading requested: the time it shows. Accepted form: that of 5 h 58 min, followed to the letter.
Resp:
1 h 10 min
